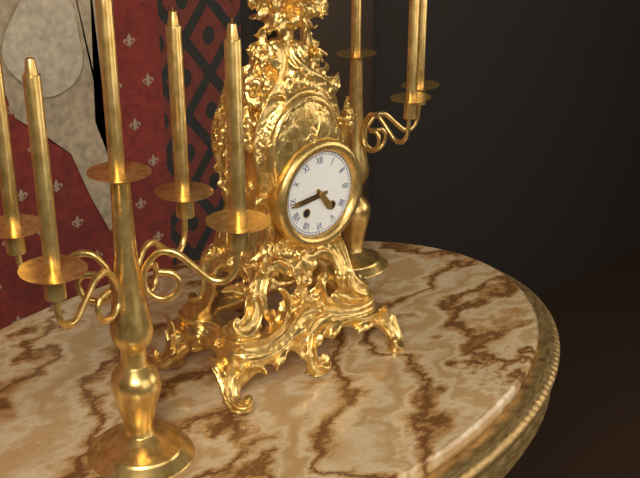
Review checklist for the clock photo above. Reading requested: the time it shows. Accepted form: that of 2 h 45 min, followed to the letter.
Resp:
4 h 44 min
